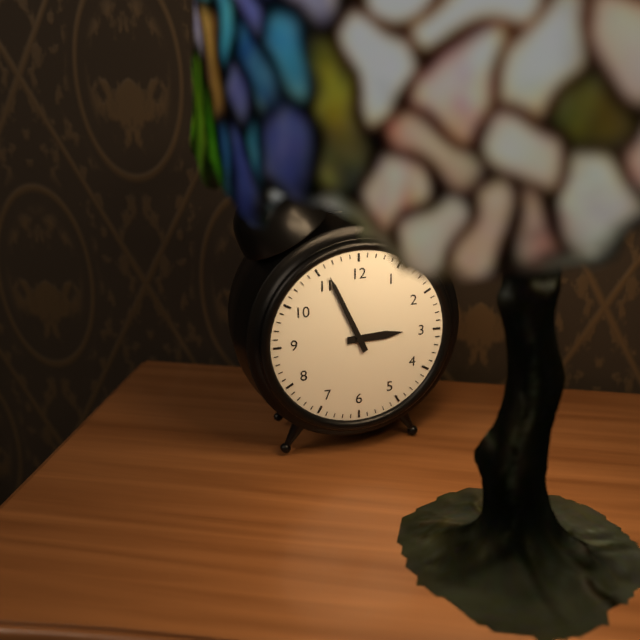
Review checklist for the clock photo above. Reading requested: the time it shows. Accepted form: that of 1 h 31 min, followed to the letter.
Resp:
2 h 56 min
